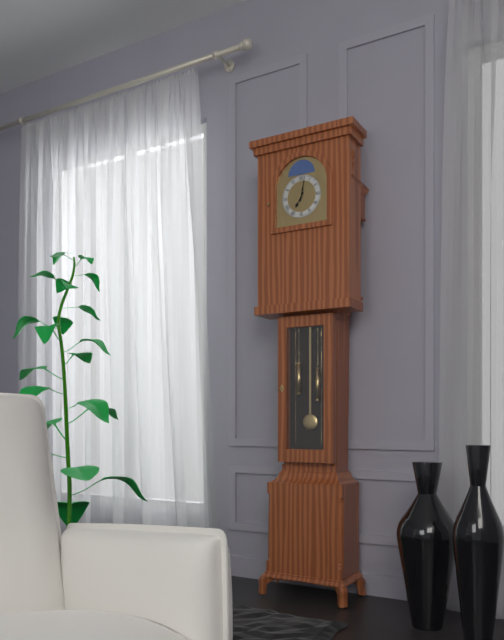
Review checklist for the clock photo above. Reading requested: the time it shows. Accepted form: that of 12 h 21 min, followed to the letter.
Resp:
7 h 02 min
